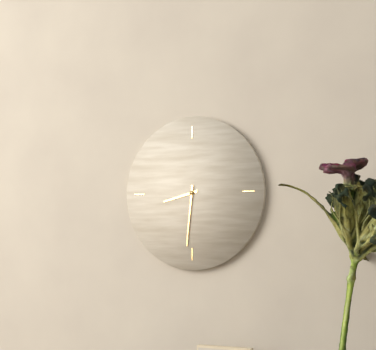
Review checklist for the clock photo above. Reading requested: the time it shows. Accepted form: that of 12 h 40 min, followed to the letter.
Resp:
8 h 31 min
